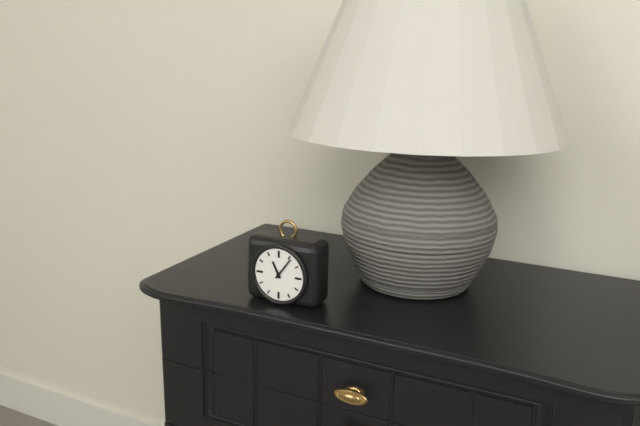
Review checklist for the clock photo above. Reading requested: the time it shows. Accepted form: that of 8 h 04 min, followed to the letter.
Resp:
11 h 06 min
